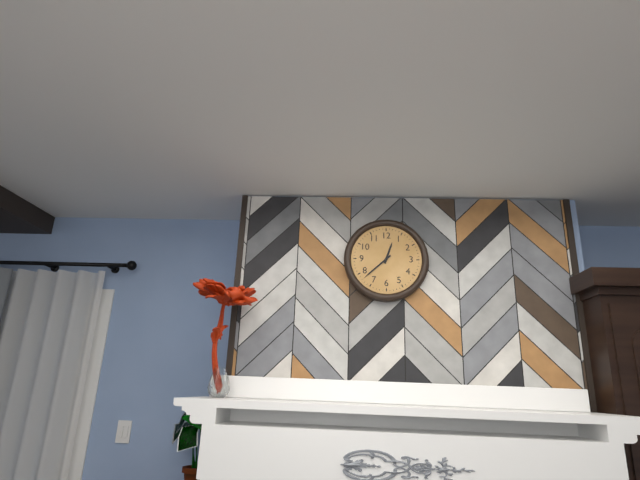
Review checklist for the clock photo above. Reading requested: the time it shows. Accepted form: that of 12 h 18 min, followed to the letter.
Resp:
12 h 38 min
